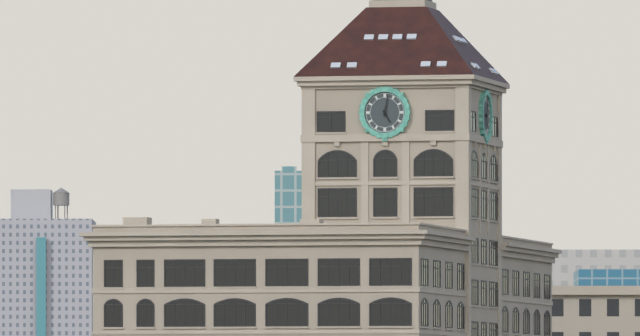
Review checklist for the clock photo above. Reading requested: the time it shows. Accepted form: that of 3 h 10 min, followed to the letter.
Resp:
5 h 02 min
